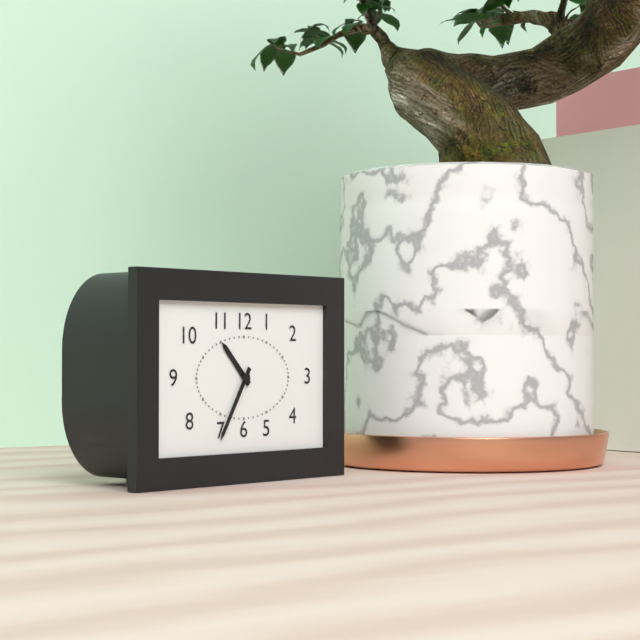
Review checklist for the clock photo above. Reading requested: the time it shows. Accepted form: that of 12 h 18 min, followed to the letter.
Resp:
10 h 35 min
